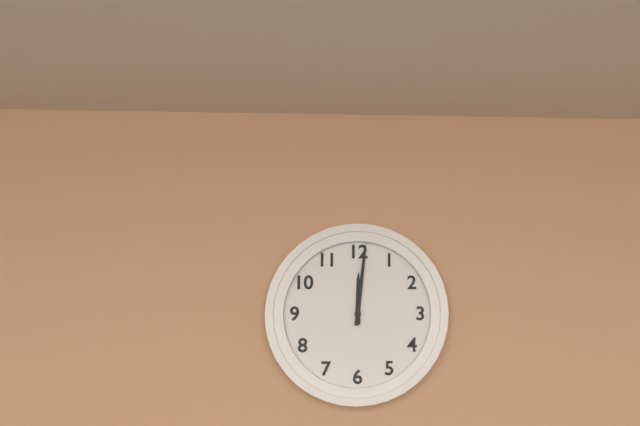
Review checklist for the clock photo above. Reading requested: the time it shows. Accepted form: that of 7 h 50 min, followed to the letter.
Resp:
12 h 01 min
